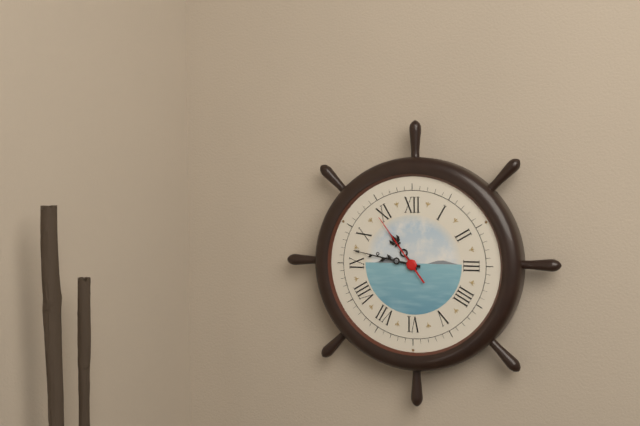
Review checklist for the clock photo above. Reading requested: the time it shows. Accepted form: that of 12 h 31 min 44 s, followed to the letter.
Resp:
10 h 47 min 54 s
